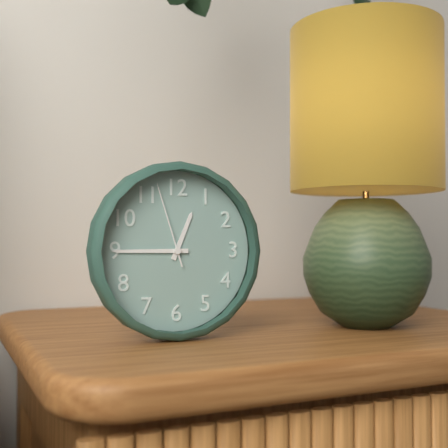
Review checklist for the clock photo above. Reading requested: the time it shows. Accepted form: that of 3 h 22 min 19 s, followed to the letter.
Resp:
12 h 45 min 57 s
